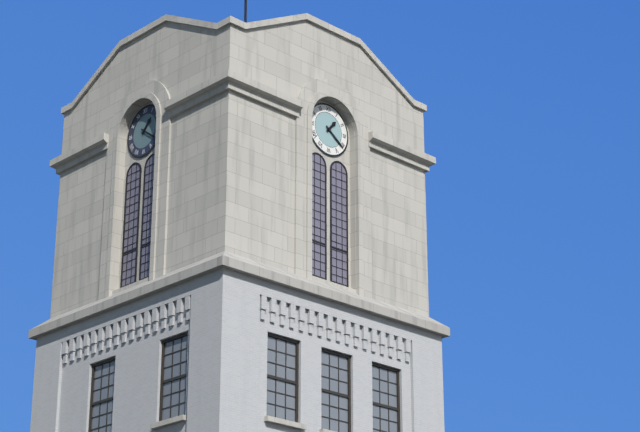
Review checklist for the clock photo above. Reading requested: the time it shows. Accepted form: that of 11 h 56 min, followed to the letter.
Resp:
1 h 21 min
